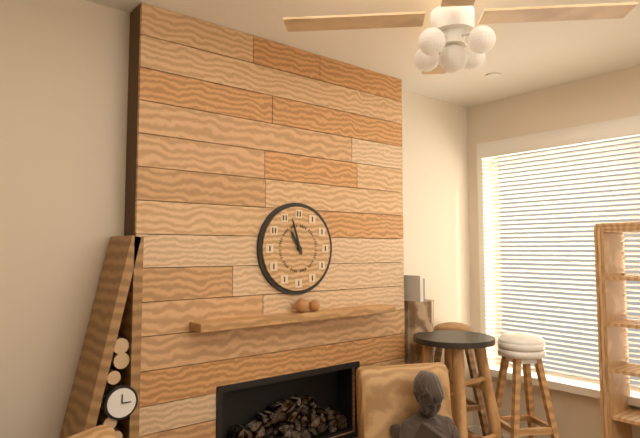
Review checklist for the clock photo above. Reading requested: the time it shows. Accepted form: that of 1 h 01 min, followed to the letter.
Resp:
10 h 57 min
